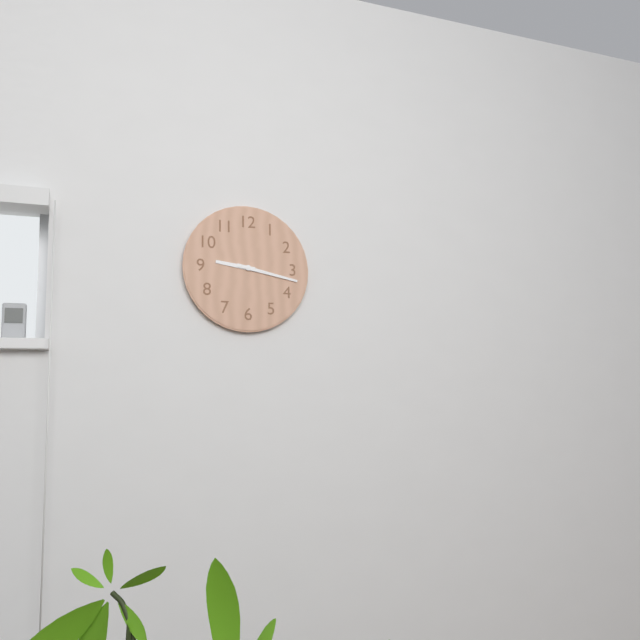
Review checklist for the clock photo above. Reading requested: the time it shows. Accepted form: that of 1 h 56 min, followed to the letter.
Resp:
9 h 17 min
